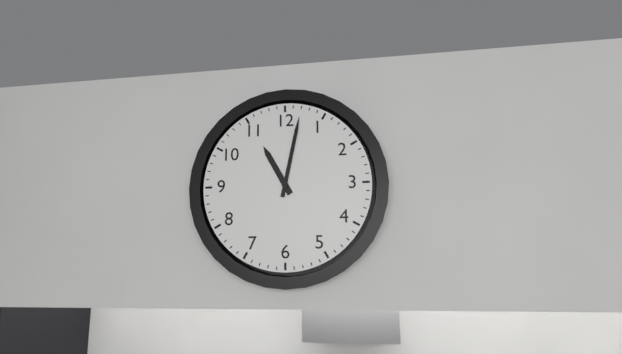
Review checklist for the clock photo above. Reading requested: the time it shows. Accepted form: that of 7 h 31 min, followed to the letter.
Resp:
11 h 02 min
